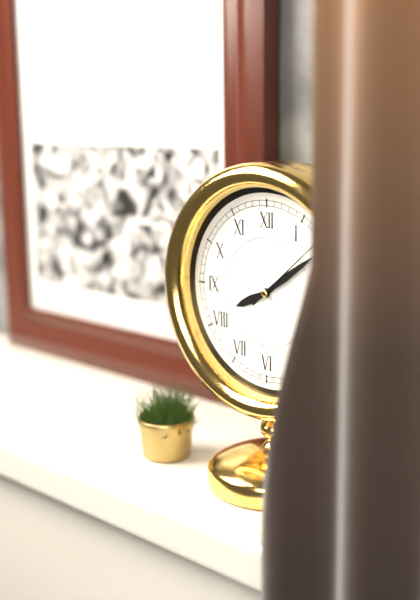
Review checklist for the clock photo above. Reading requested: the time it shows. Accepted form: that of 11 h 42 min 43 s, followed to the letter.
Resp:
8 h 09 min 08 s
